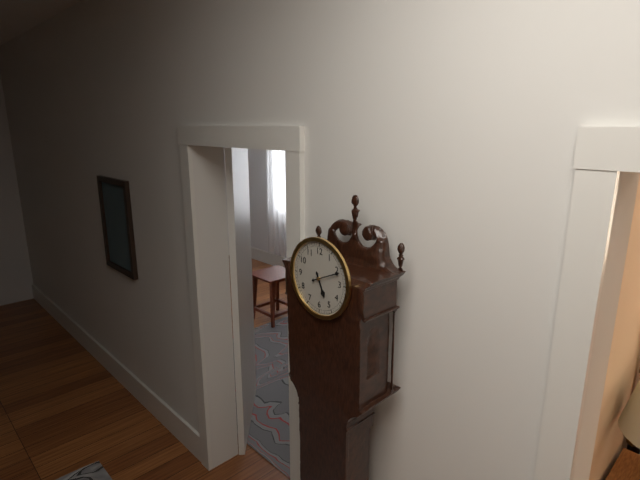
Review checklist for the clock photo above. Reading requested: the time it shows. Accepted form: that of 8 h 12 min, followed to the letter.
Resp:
5 h 11 min
